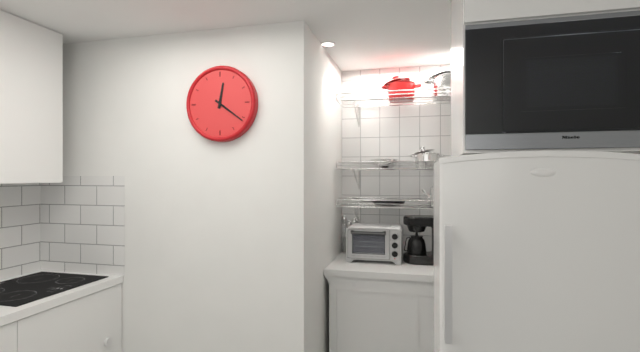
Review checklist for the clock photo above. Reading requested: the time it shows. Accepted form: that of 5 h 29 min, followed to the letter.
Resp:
12 h 21 min
